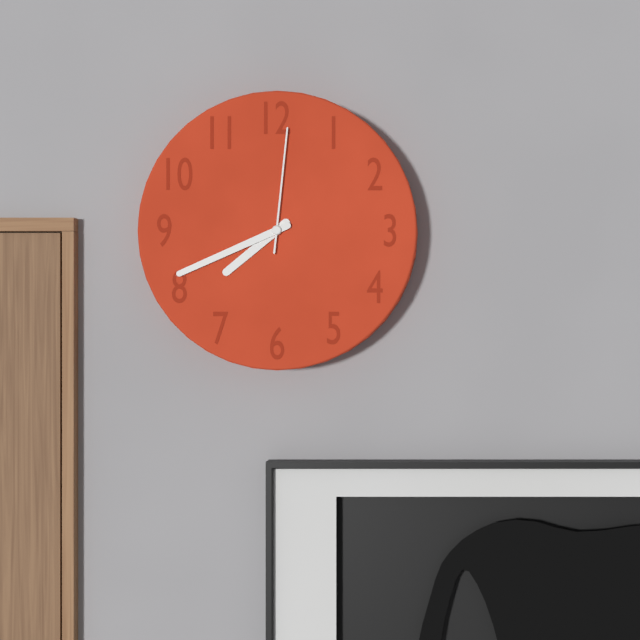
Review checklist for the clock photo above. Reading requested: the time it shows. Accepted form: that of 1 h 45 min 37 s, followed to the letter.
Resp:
7 h 41 min 01 s
